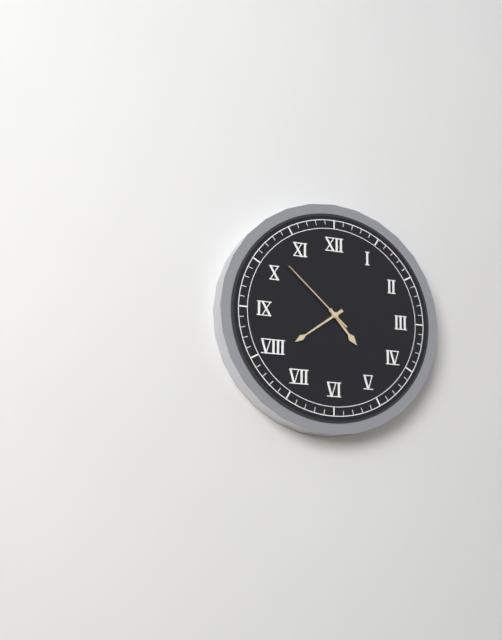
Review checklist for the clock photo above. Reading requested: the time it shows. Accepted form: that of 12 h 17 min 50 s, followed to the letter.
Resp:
4 h 39 min 52 s
